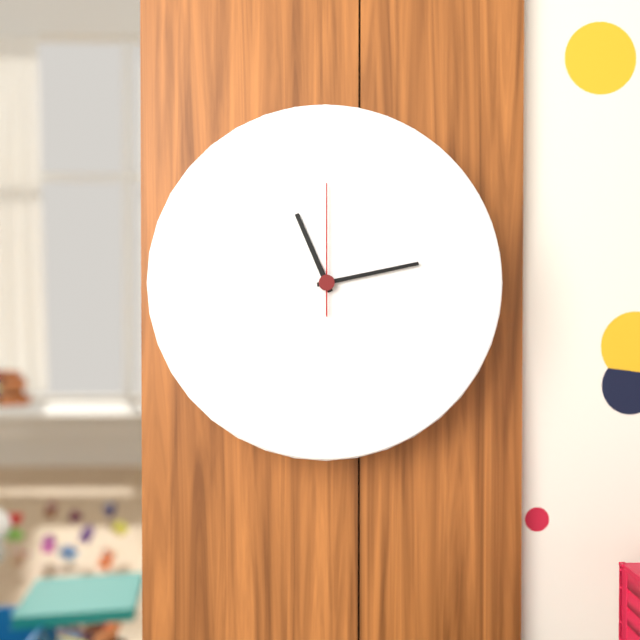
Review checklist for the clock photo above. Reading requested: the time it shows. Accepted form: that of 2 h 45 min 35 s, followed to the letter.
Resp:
11 h 13 min 00 s
